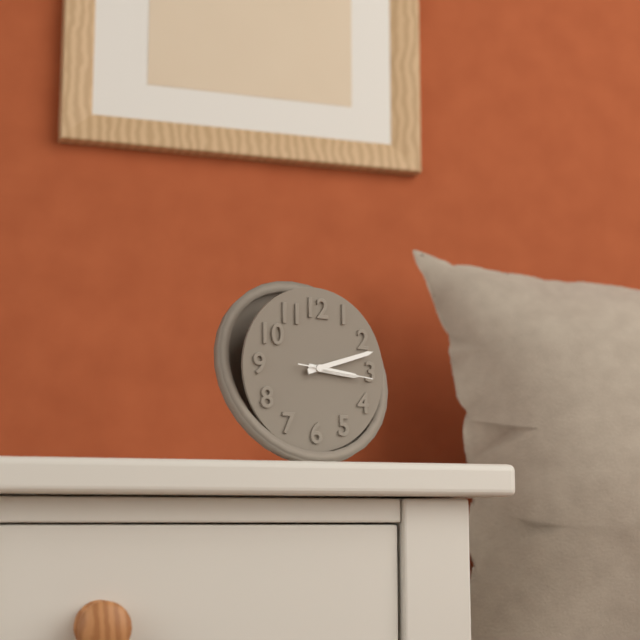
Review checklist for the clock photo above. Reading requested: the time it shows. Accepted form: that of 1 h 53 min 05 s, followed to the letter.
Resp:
3 h 12 min 16 s
